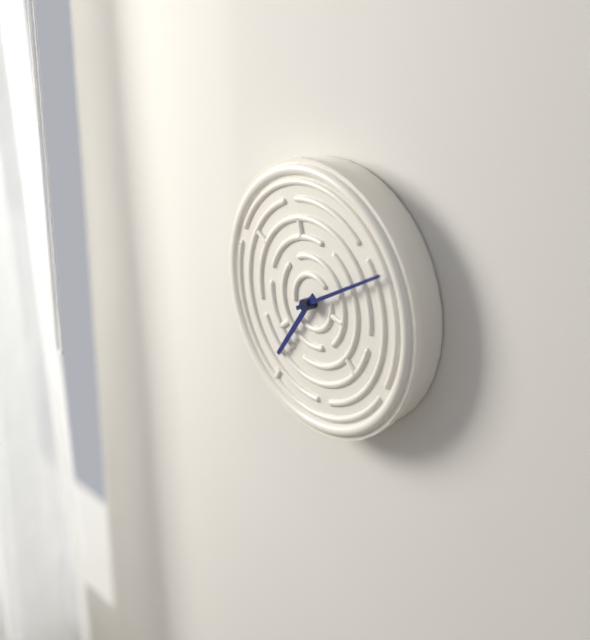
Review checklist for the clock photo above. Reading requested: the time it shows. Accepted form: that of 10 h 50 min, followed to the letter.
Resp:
7 h 10 min
